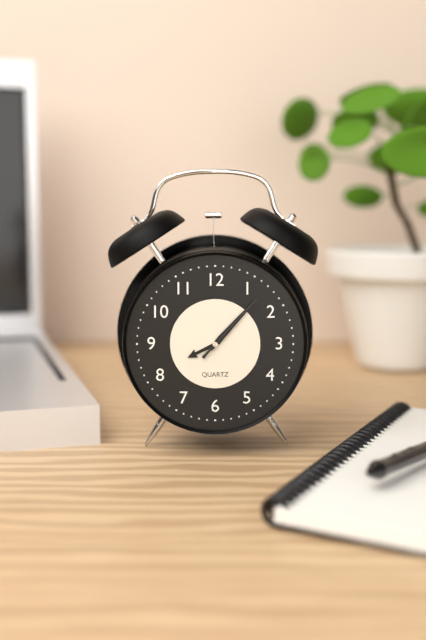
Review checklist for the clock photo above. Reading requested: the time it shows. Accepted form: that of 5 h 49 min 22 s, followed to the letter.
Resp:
8 h 07 min 07 s
